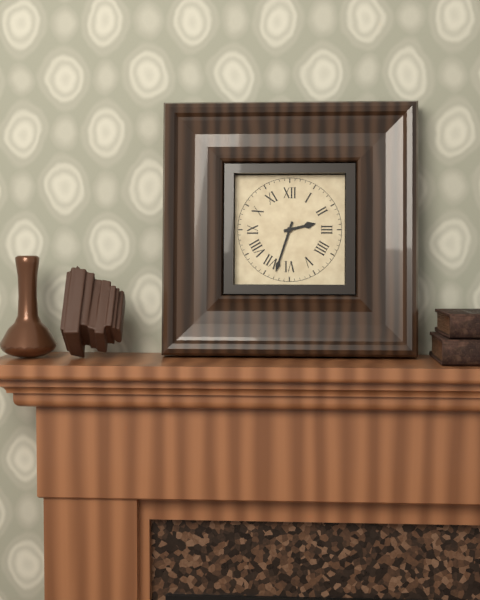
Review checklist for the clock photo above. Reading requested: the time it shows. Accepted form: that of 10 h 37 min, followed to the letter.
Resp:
2 h 33 min
